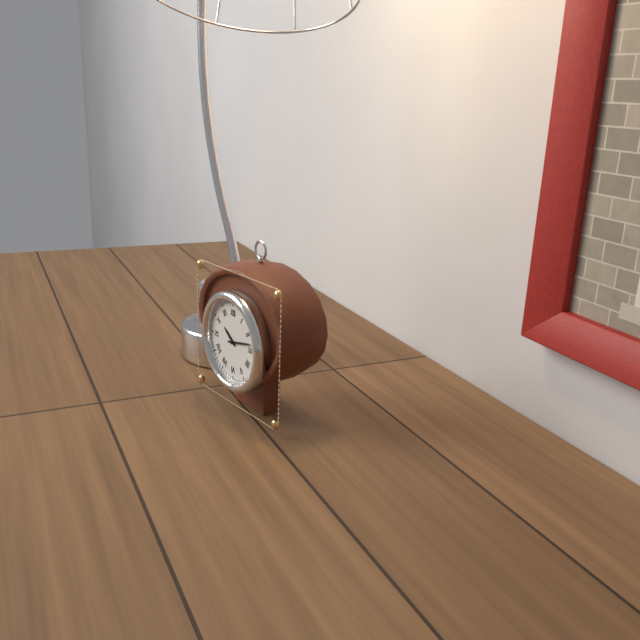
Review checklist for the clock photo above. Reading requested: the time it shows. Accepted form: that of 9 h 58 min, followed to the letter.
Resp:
10 h 13 min
